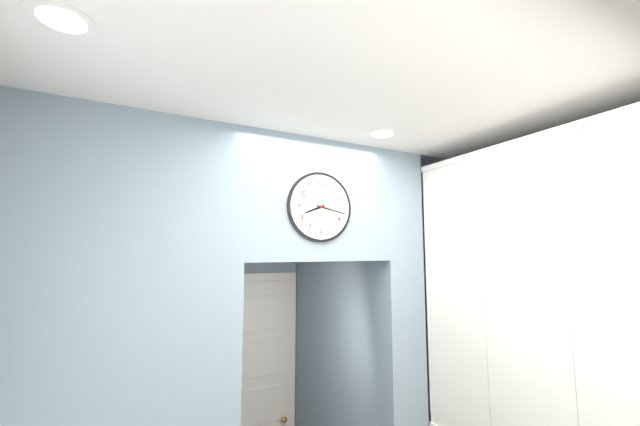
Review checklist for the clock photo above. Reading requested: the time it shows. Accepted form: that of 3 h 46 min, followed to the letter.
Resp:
8 h 17 min
